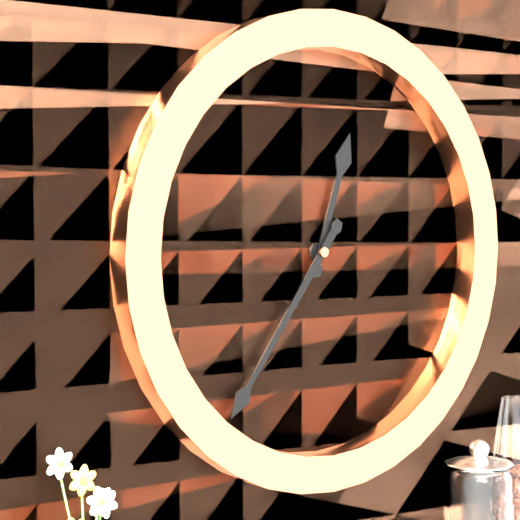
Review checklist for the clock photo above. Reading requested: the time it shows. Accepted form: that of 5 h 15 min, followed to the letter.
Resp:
12 h 36 min
